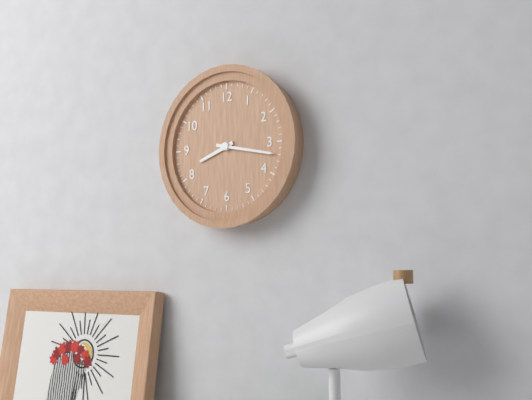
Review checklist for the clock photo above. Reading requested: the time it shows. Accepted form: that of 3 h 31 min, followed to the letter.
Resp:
8 h 17 min
